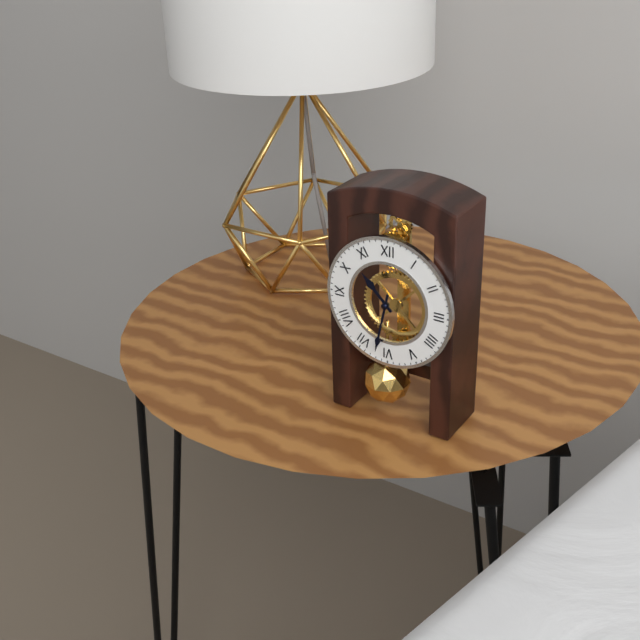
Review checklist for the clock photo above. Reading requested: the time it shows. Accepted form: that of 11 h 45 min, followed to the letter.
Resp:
10 h 32 min
